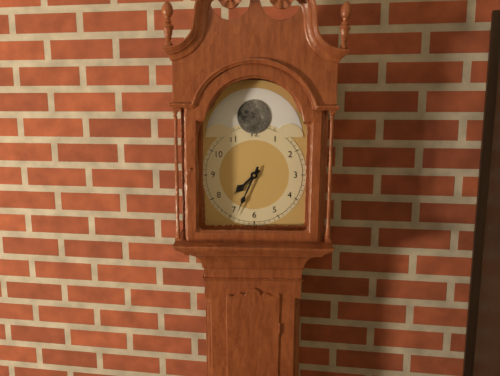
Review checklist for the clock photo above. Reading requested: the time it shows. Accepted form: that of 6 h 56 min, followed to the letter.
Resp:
7 h 34 min
